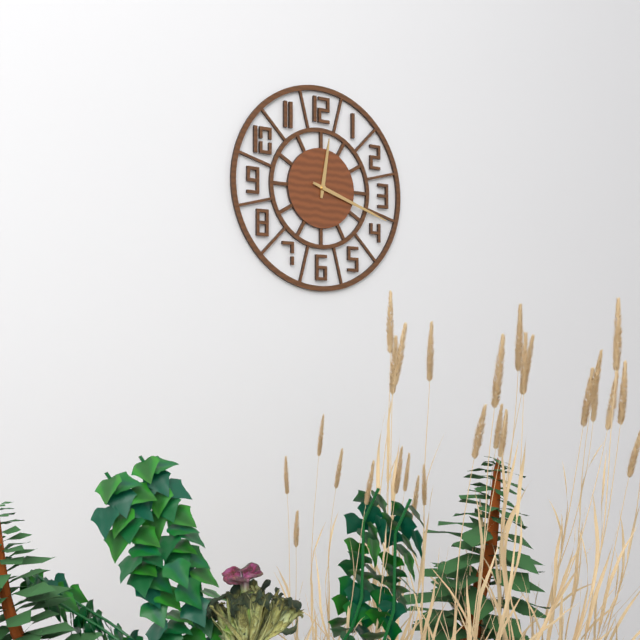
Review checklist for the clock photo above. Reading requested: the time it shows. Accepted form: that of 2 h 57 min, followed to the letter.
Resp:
12 h 18 min
